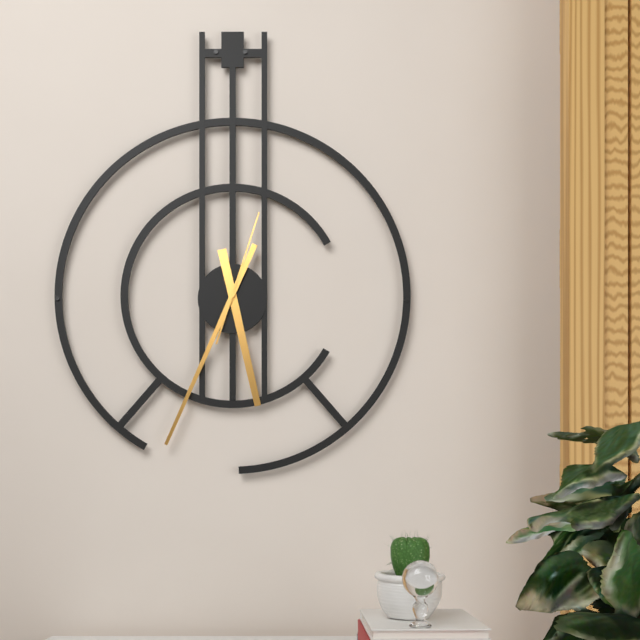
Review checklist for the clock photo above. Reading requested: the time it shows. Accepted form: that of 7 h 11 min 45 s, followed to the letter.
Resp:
5 h 34 min 03 s
